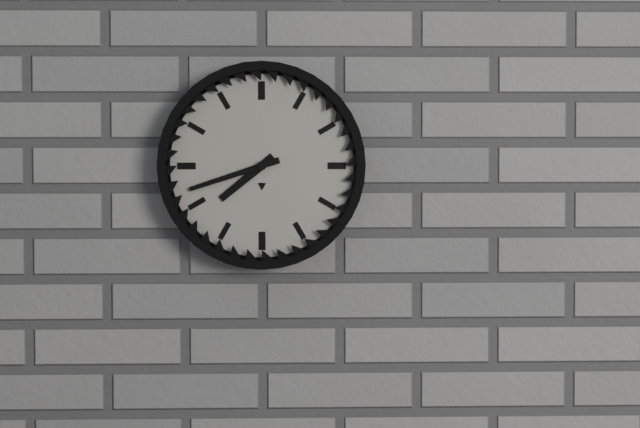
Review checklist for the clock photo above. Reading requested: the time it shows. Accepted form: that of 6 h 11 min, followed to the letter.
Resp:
7 h 42 min
